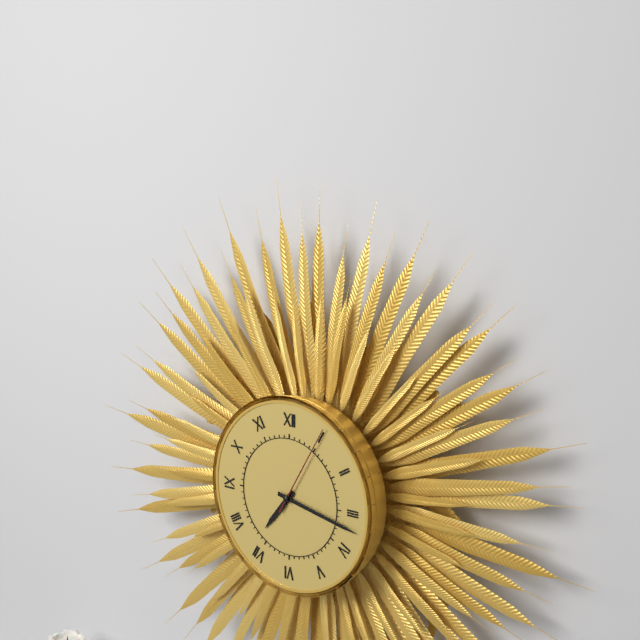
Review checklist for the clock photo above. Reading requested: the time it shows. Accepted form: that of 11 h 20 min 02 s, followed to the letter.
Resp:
7 h 17 min 05 s
